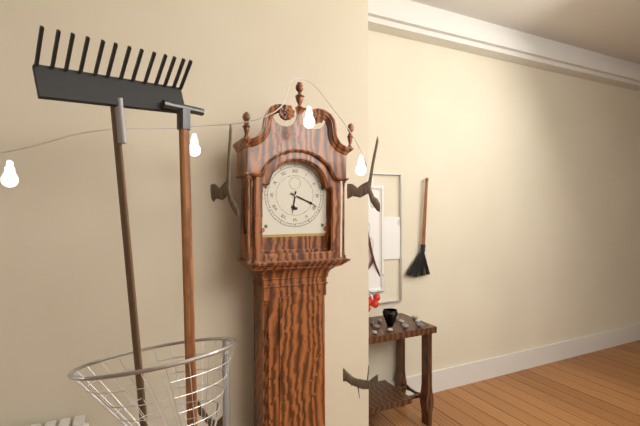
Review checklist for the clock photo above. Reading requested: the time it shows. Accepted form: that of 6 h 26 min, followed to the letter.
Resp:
6 h 19 min
